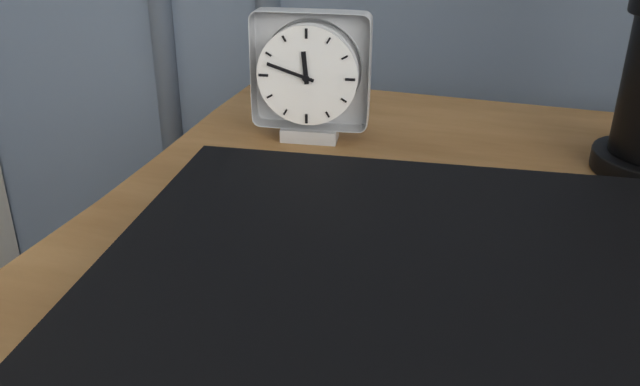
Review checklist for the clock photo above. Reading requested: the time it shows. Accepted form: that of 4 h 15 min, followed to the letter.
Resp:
11 h 48 min
